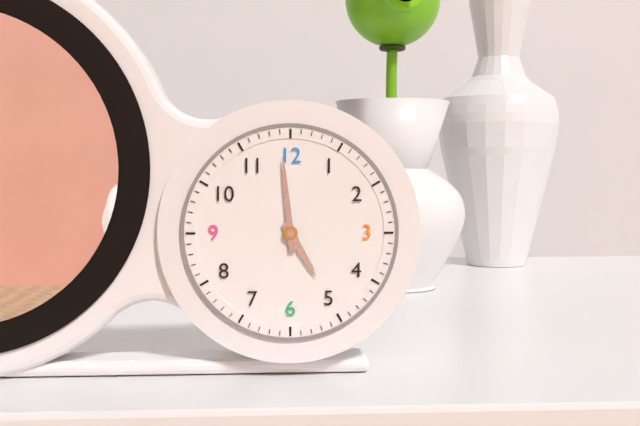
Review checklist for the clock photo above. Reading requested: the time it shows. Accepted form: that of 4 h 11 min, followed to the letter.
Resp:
4 h 59 min
